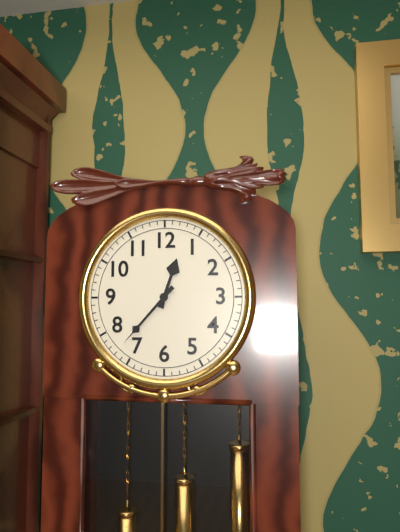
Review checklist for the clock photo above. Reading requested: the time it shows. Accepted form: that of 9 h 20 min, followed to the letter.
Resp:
12 h 37 min
